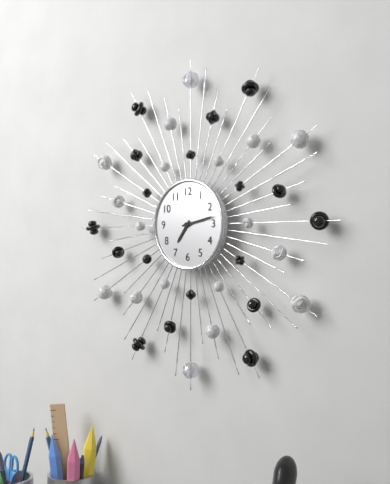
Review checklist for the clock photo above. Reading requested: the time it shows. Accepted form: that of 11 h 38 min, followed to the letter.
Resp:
7 h 13 min
